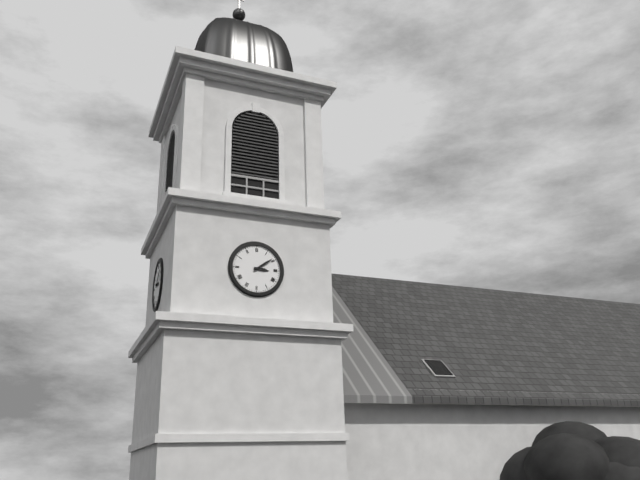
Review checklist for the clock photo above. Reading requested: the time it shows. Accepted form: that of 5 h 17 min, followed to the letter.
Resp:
3 h 09 min
